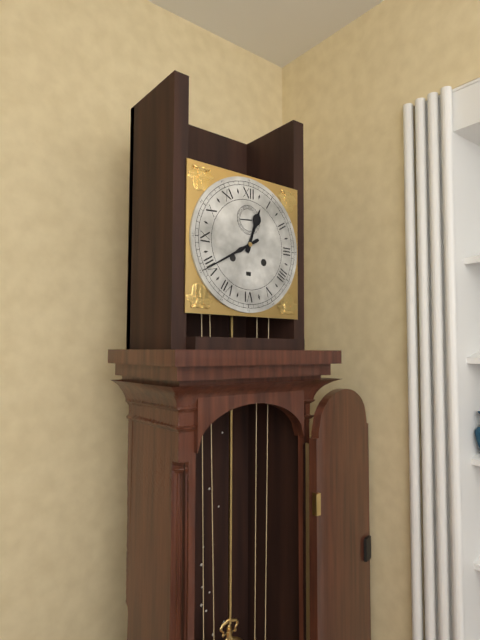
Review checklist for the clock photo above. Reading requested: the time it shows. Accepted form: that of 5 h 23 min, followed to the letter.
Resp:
12 h 40 min
